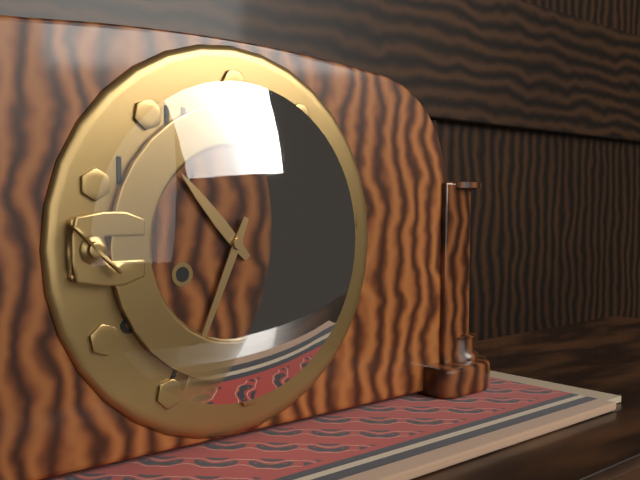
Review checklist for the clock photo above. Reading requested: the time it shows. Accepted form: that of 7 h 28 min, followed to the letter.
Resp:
10 h 34 min
